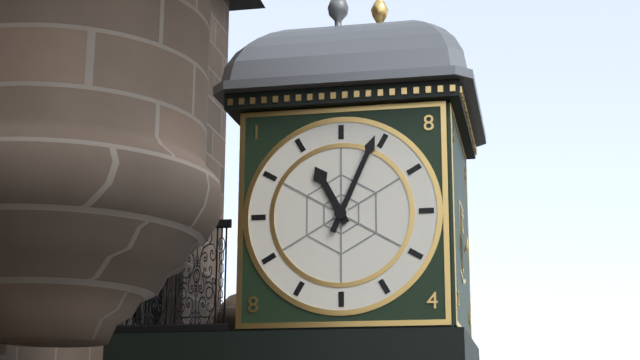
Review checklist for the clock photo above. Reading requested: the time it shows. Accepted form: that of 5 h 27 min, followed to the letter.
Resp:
11 h 04 min
